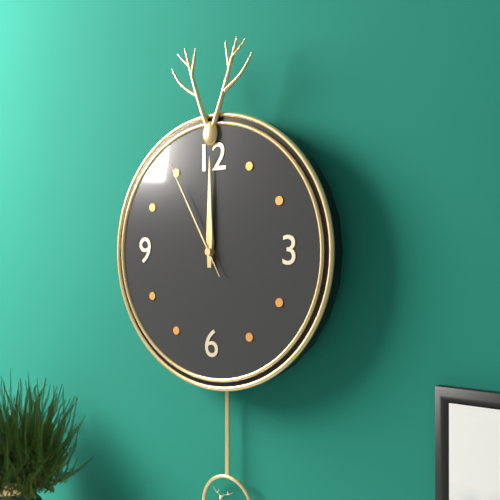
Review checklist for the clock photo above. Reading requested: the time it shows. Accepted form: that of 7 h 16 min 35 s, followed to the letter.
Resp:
12 h 00 min 55 s
